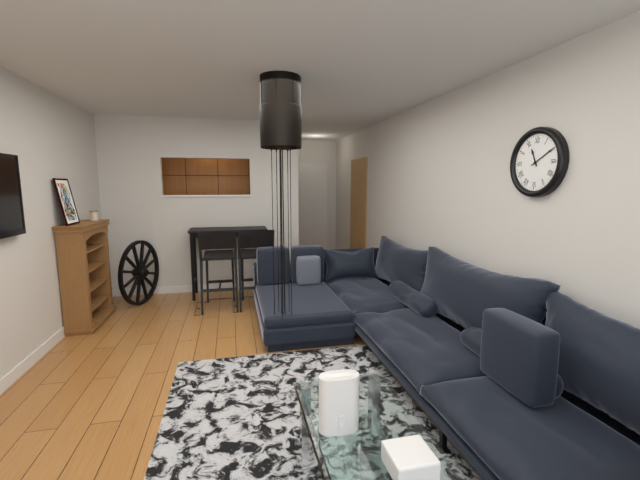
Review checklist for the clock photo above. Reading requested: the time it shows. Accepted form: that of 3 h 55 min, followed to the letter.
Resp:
11 h 10 min
